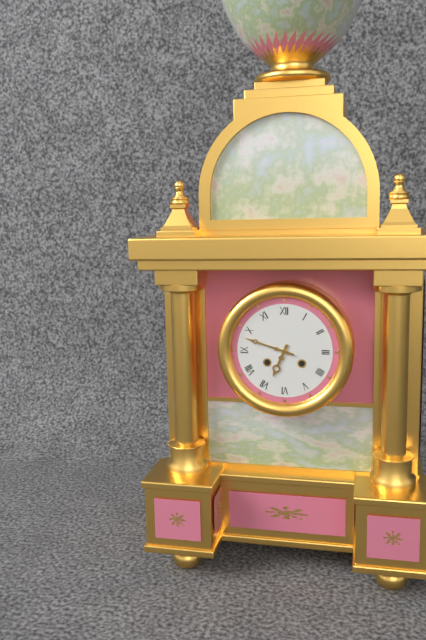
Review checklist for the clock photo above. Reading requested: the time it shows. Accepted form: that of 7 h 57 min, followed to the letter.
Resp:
6 h 48 min
